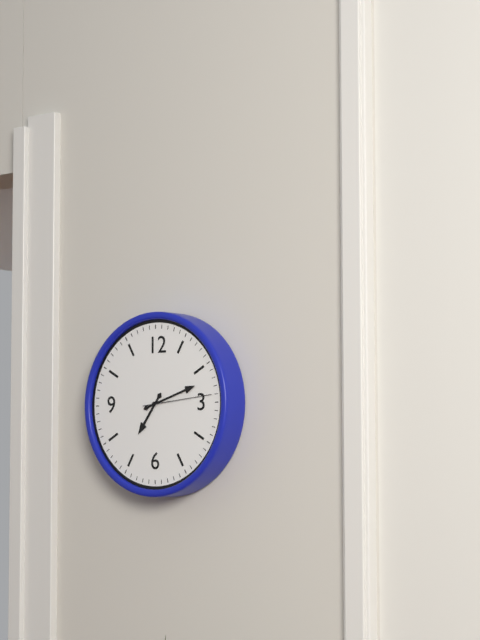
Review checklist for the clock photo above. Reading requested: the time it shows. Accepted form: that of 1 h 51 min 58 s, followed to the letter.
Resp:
7 h 12 min 14 s
